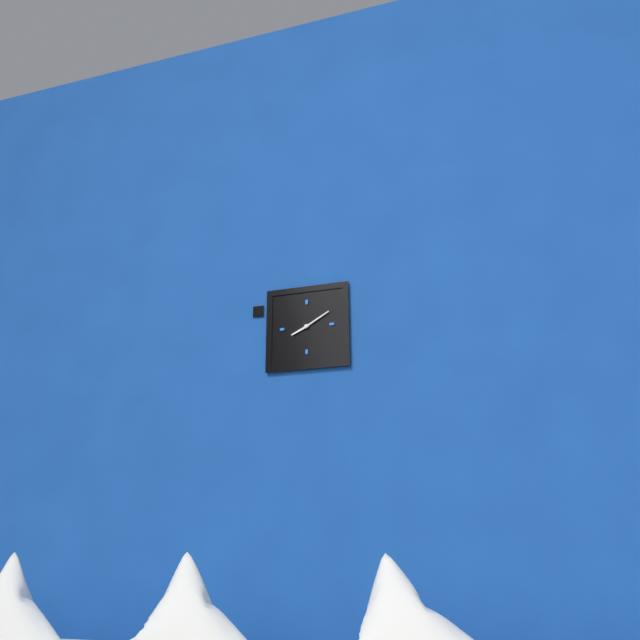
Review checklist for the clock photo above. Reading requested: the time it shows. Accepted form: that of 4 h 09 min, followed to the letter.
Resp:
8 h 10 min
